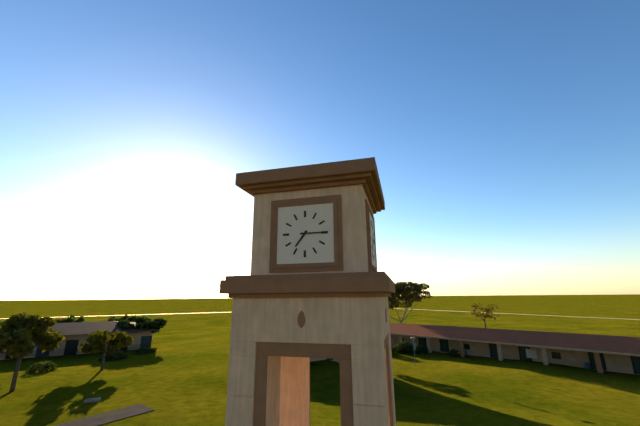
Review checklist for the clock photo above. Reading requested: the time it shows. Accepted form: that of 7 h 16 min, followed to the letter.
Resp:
7 h 15 min
